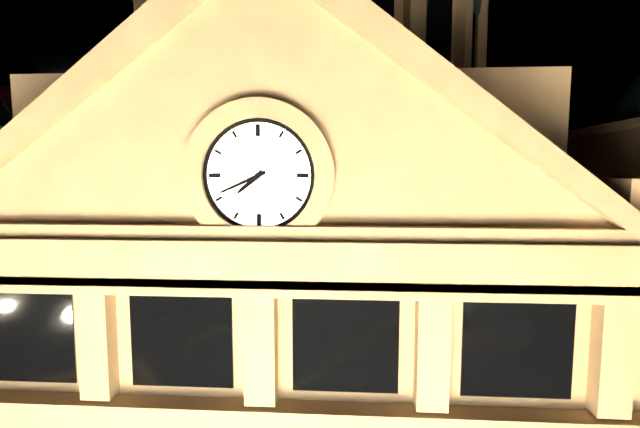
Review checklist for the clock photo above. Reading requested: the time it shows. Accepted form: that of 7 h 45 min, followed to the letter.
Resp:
7 h 41 min
